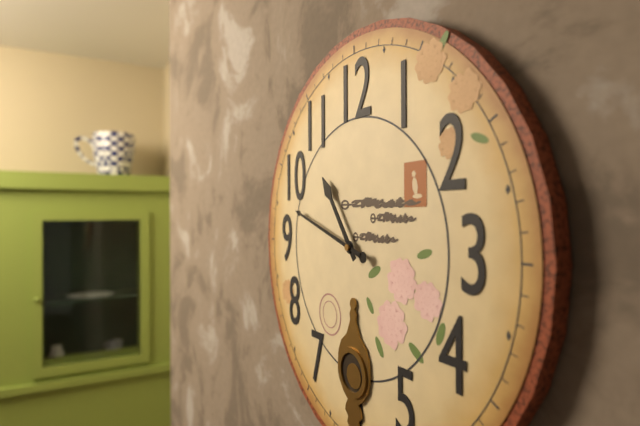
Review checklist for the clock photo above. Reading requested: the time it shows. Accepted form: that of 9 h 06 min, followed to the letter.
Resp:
10 h 48 min
